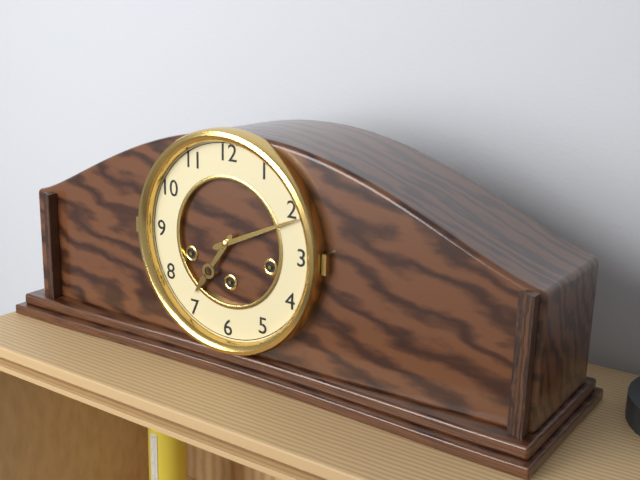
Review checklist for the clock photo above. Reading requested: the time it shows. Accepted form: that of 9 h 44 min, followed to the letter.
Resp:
7 h 11 min
